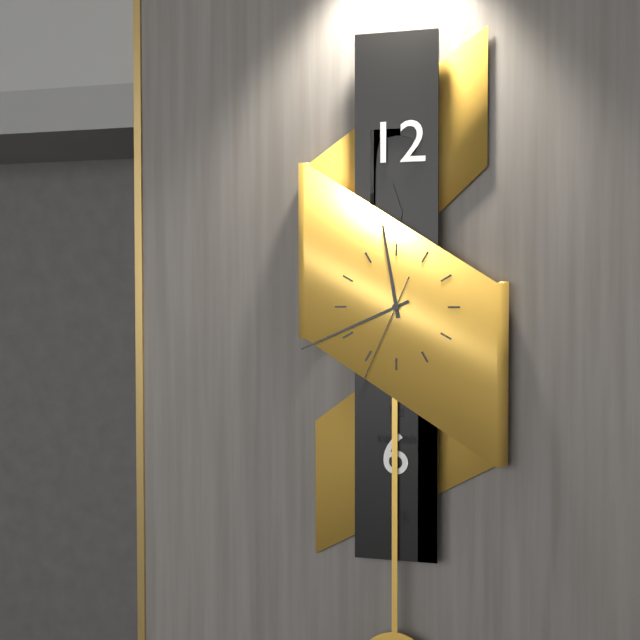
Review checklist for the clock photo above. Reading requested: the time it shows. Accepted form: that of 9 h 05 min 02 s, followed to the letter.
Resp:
11 h 41 min 34 s
